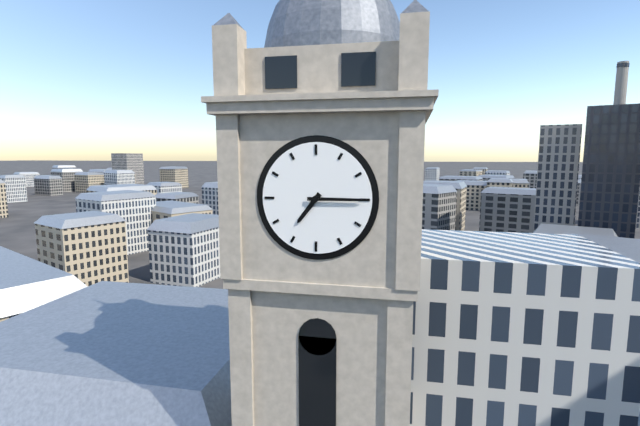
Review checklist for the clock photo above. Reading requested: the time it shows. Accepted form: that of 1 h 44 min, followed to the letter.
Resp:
7 h 15 min
